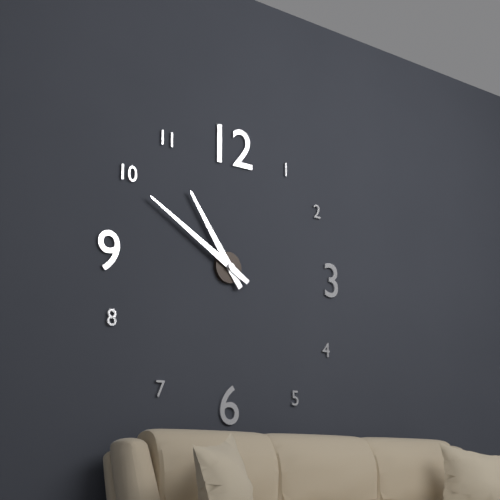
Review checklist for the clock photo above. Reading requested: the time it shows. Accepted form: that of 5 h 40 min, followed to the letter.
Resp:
10 h 50 min
